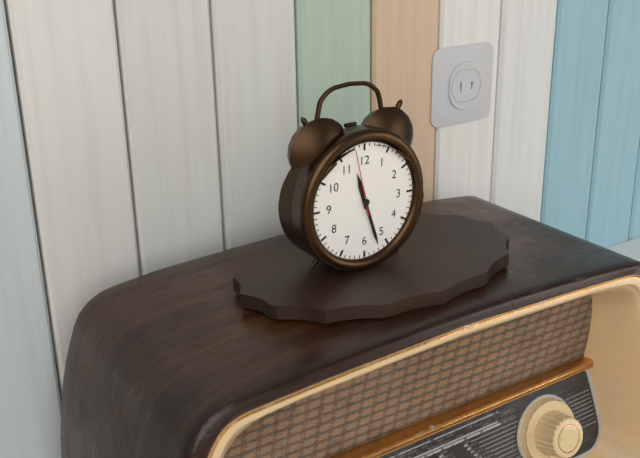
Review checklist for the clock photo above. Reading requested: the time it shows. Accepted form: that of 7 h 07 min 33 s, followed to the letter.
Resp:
11 h 27 min 58 s
